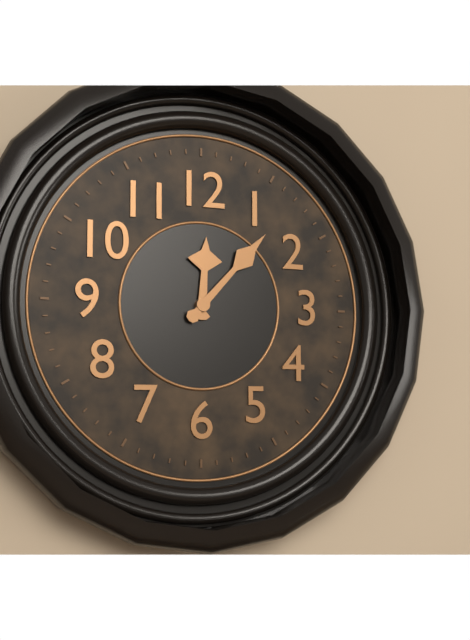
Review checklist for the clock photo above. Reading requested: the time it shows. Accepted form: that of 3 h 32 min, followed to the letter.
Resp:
12 h 07 min
